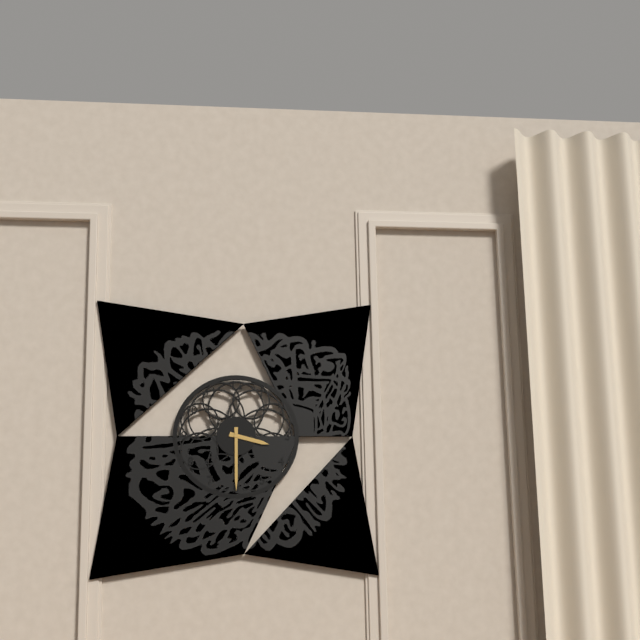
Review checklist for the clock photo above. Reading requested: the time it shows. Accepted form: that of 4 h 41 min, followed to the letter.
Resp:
3 h 30 min
